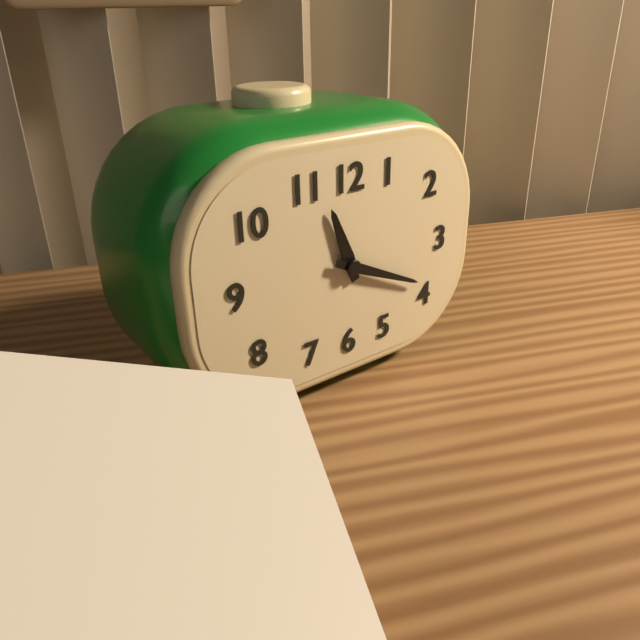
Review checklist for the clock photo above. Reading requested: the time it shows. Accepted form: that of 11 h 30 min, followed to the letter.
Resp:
11 h 19 min
